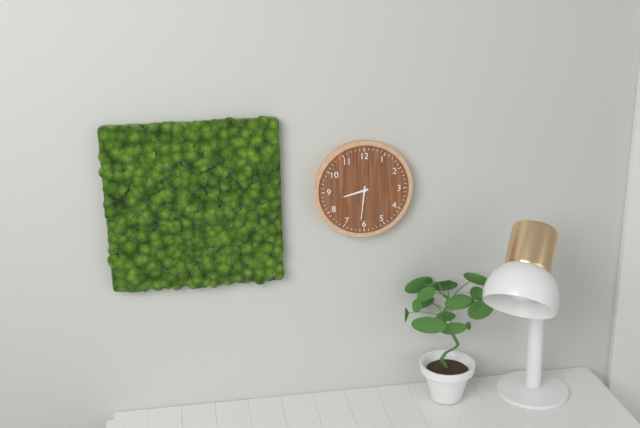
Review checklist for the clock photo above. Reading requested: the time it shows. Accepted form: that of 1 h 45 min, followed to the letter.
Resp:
8 h 31 min
